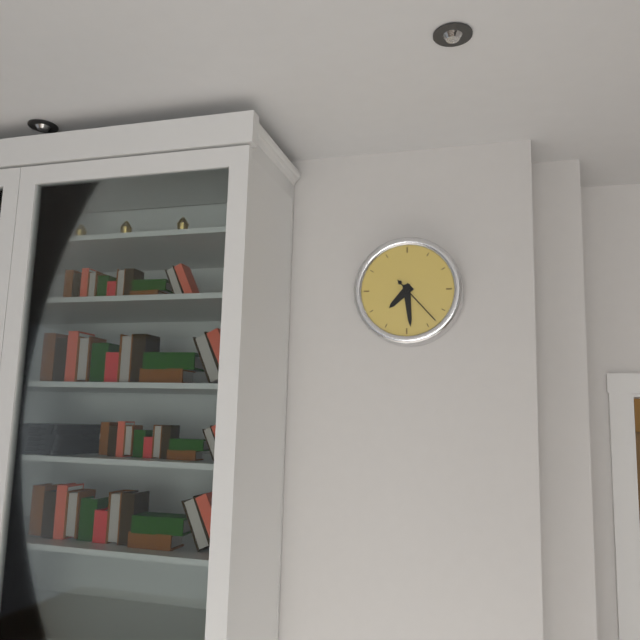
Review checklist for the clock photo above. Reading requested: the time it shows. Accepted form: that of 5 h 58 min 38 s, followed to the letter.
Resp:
7 h 29 min 23 s
